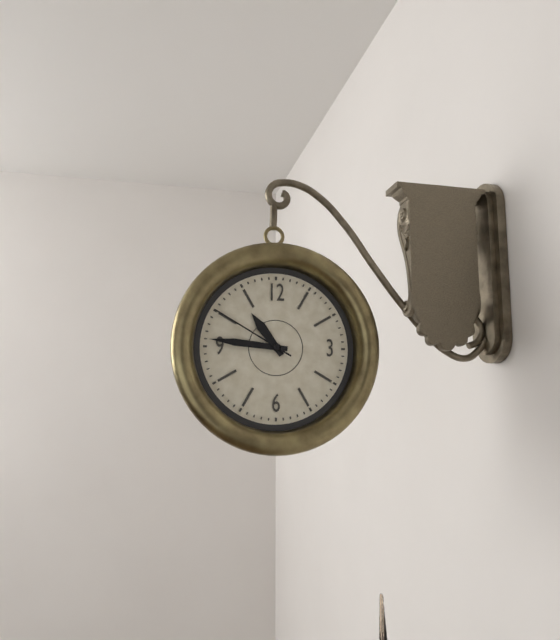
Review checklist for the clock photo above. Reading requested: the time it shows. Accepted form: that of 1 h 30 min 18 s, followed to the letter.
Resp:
10 h 46 min 50 s
